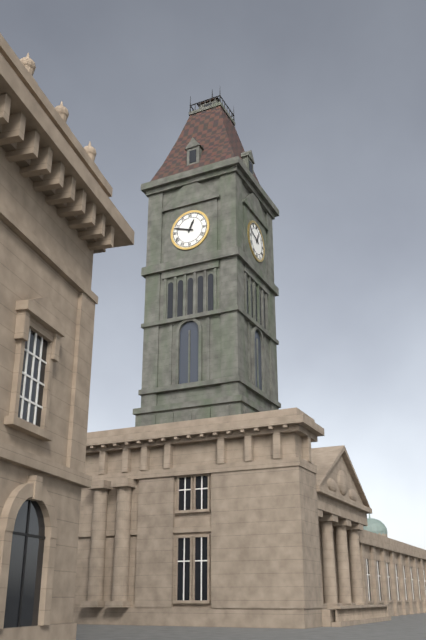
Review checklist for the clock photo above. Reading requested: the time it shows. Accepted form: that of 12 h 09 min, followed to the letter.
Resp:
12 h 48 min
